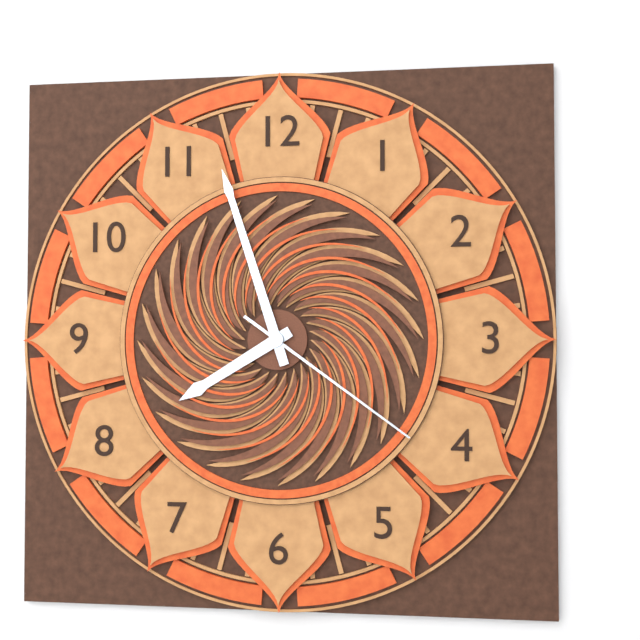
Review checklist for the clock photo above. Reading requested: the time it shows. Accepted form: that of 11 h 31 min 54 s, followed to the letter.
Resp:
7 h 57 min 21 s
